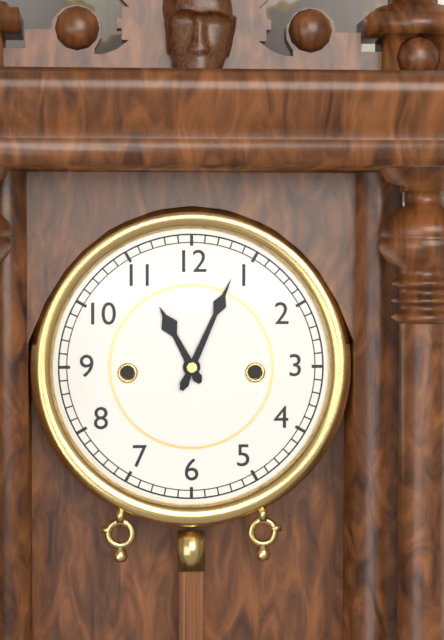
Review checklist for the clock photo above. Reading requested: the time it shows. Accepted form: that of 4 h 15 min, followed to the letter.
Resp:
11 h 04 min
